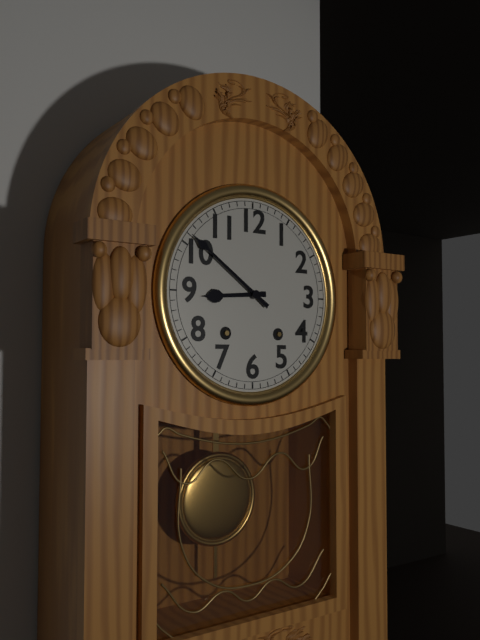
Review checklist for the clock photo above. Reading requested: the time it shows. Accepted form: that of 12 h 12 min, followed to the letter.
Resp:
8 h 51 min
